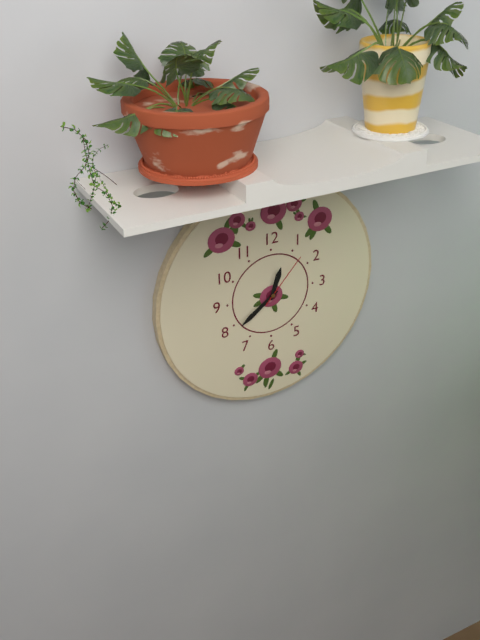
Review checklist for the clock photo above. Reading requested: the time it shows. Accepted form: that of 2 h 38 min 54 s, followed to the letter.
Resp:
12 h 39 min 07 s
